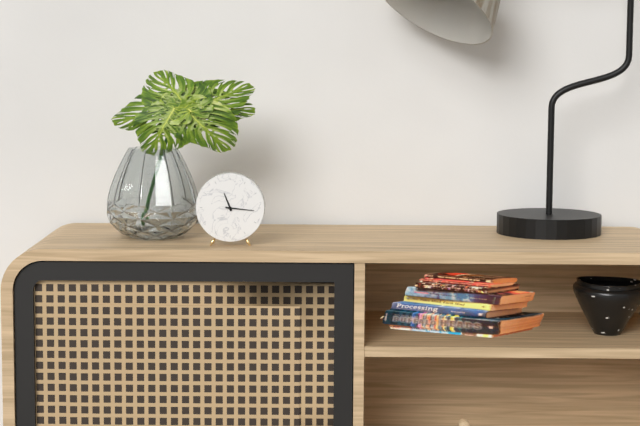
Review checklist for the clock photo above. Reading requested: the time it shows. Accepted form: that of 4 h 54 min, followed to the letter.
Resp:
11 h 16 min
